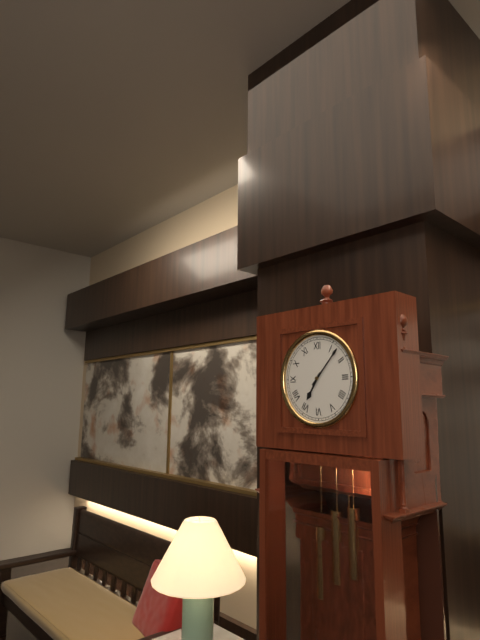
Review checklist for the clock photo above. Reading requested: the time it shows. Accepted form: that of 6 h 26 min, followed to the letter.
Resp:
7 h 07 min
